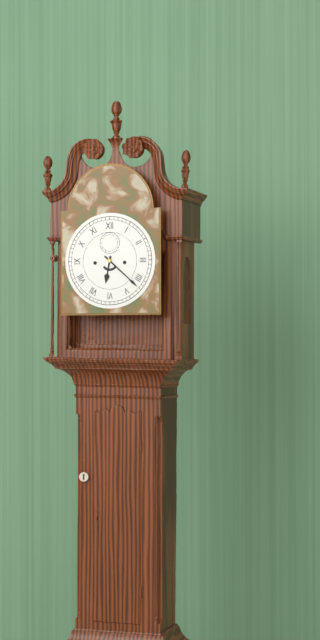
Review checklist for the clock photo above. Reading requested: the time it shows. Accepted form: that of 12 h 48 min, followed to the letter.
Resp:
6 h 22 min
